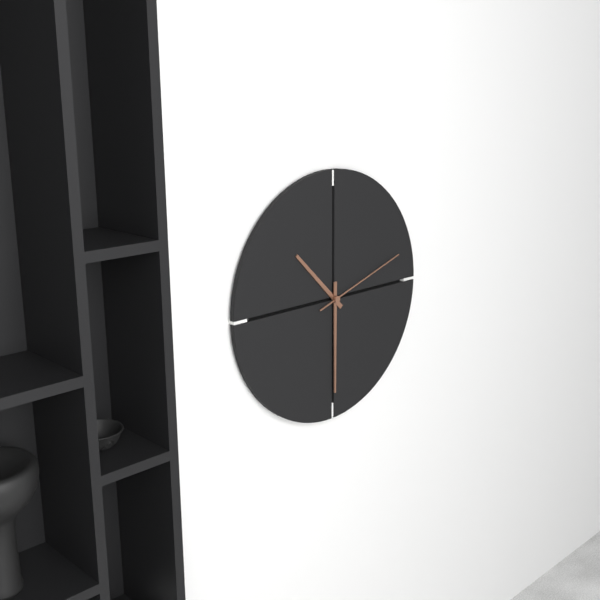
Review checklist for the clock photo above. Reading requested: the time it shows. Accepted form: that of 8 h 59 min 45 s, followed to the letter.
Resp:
10 h 30 min 12 s
